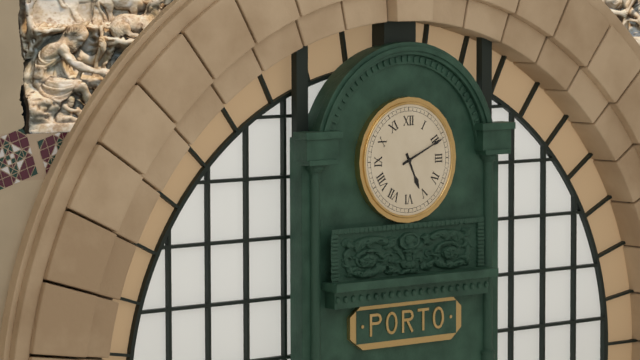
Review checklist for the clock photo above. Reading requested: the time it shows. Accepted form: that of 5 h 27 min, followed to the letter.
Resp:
5 h 11 min
